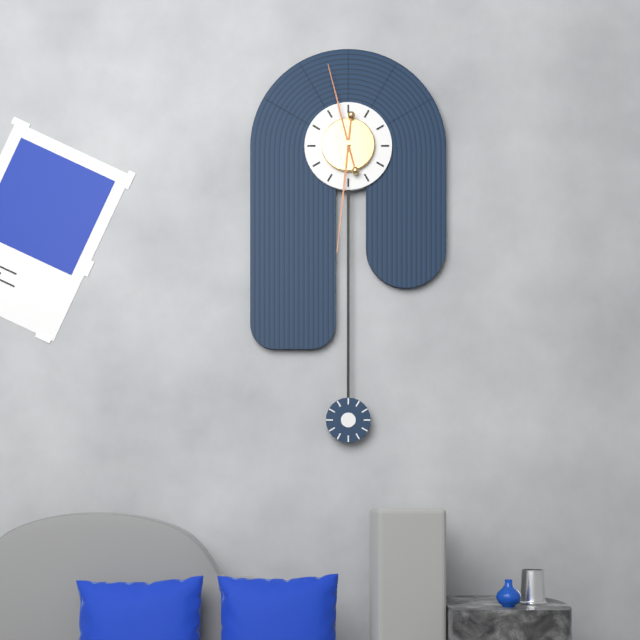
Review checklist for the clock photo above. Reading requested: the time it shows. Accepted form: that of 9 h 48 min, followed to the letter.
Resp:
11 h 31 min
